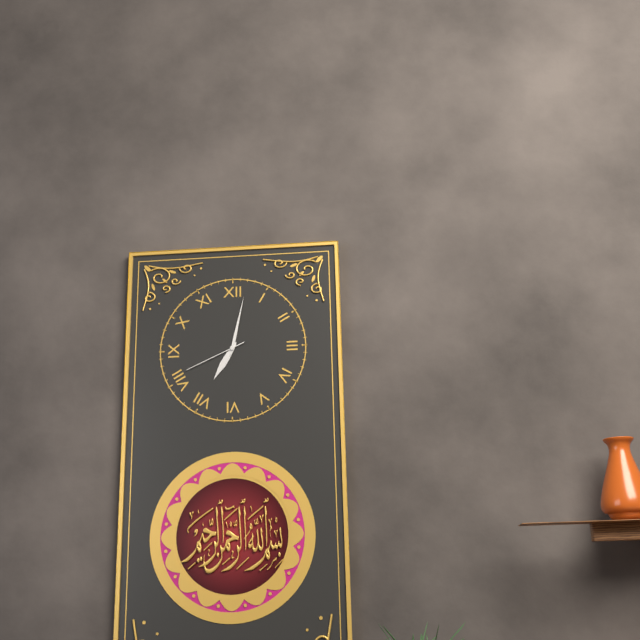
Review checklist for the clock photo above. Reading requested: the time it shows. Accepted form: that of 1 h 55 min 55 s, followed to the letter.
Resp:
7 h 02 min 41 s
